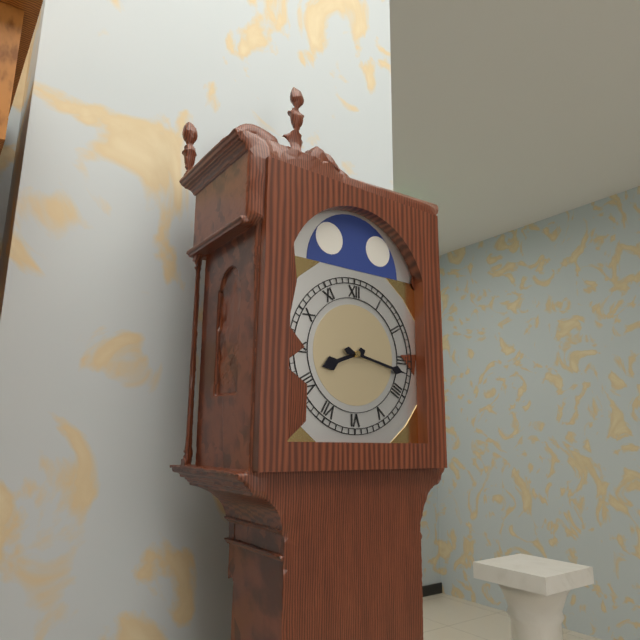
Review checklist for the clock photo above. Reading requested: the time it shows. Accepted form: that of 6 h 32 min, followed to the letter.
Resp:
8 h 17 min
